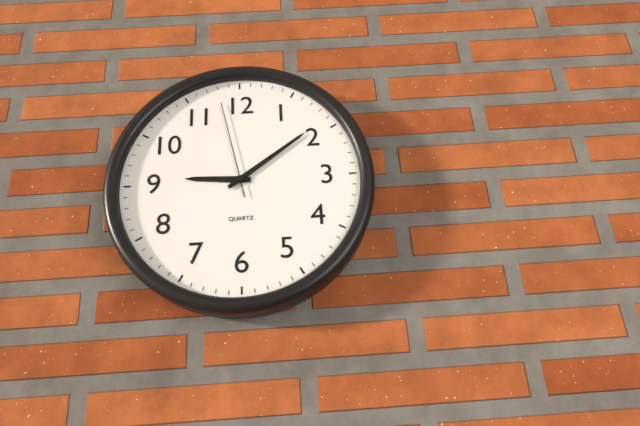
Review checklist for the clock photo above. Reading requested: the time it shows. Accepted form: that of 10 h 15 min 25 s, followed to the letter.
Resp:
9 h 09 min 58 s
